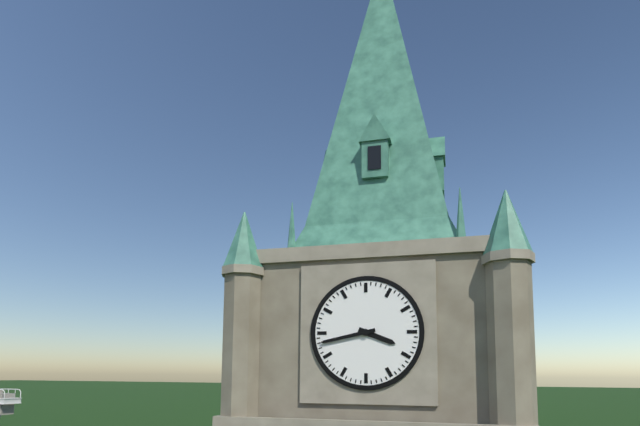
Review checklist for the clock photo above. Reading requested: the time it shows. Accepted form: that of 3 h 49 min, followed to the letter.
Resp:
3 h 43 min
